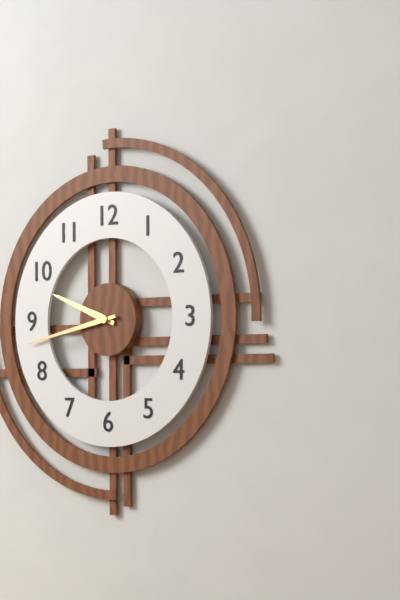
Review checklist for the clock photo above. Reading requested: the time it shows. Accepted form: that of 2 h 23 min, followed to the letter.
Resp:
9 h 43 min
